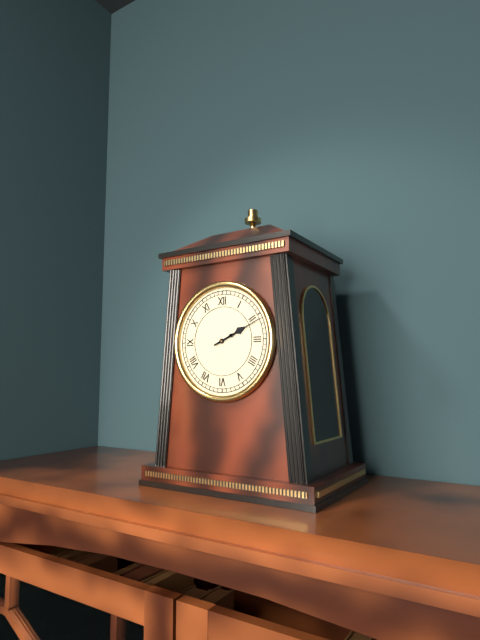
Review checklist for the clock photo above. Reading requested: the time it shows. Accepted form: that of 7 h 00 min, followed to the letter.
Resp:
2 h 11 min
